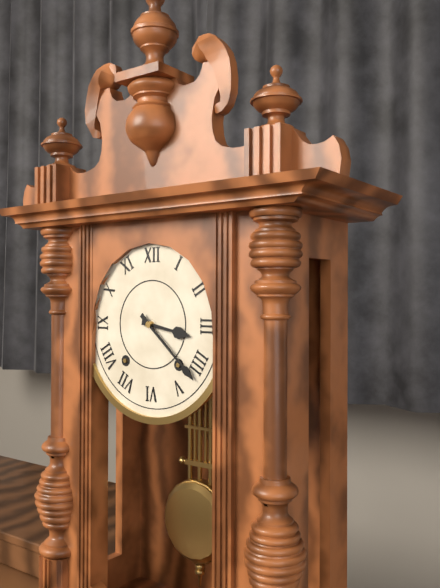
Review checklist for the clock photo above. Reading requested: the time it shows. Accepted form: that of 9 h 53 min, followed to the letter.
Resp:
3 h 22 min
